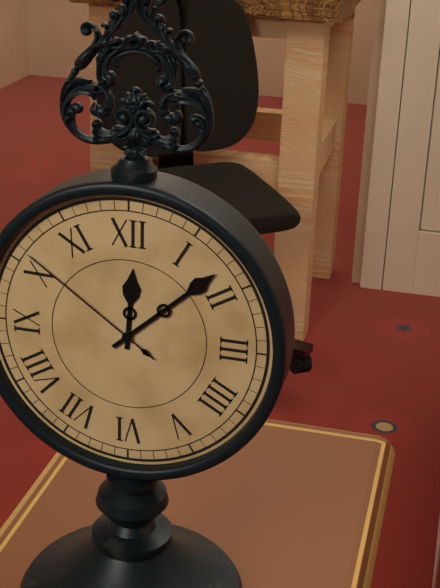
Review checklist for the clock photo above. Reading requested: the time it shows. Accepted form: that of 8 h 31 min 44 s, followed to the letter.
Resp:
12 h 08 min 51 s
